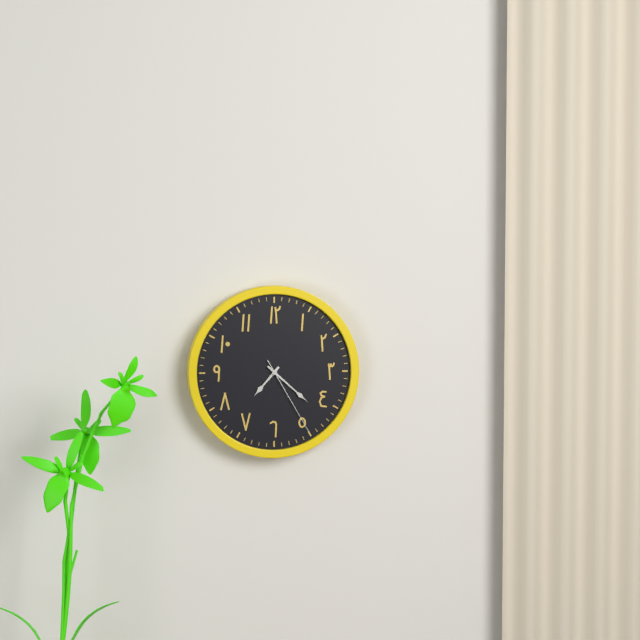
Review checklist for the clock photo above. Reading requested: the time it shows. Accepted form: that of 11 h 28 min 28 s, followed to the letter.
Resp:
7 h 22 min 25 s
